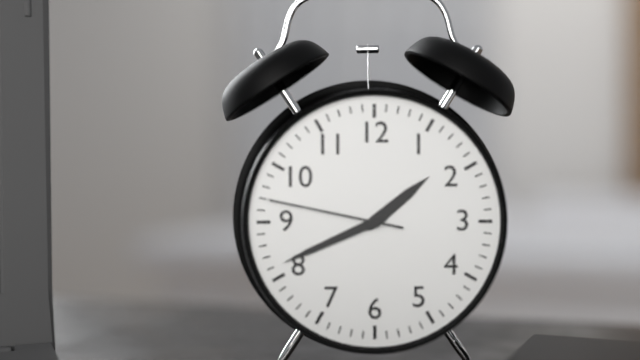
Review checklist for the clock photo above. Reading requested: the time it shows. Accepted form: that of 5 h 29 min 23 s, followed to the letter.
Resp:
1 h 41 min 47 s
